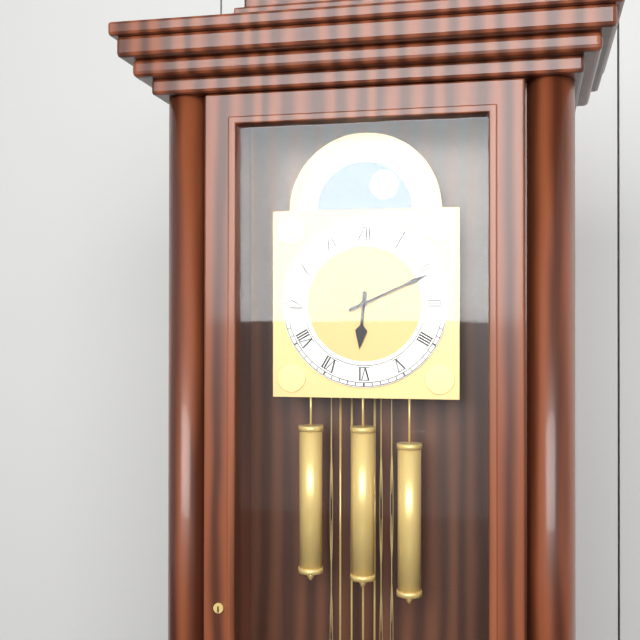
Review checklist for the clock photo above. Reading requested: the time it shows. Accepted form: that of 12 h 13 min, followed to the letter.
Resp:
6 h 11 min
